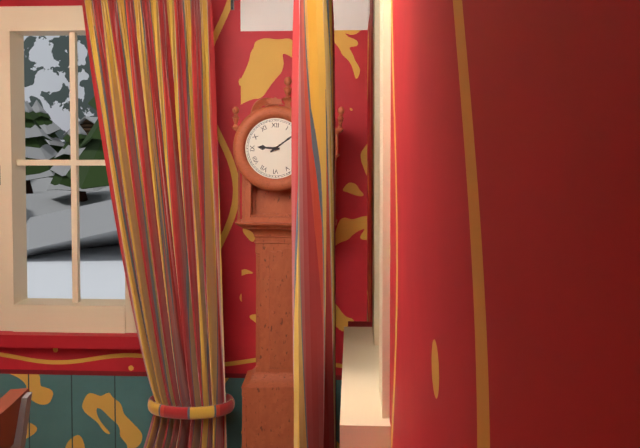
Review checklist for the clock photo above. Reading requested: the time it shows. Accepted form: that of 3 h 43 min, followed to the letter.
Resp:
9 h 09 min
